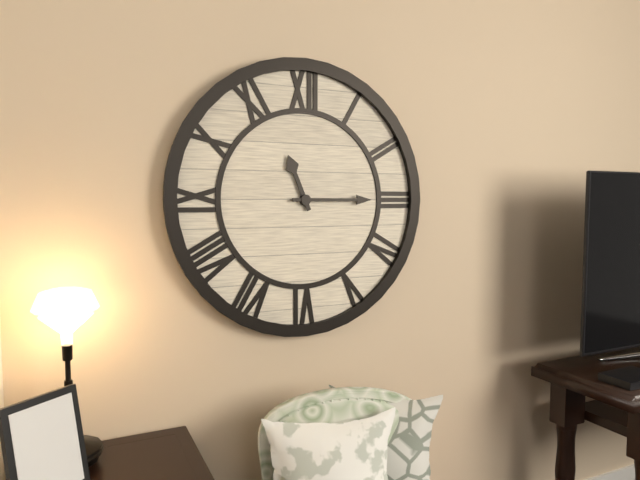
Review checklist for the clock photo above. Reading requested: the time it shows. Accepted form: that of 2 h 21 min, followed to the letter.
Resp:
11 h 15 min
